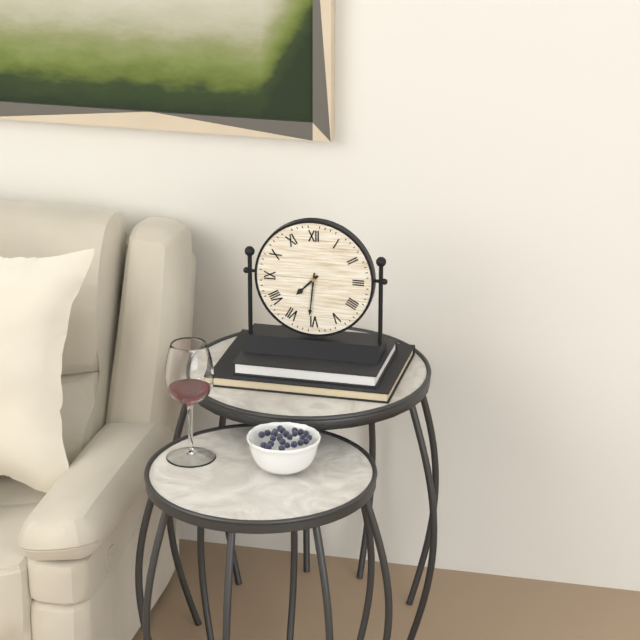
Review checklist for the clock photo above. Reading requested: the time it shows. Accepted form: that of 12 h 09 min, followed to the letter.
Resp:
7 h 31 min
